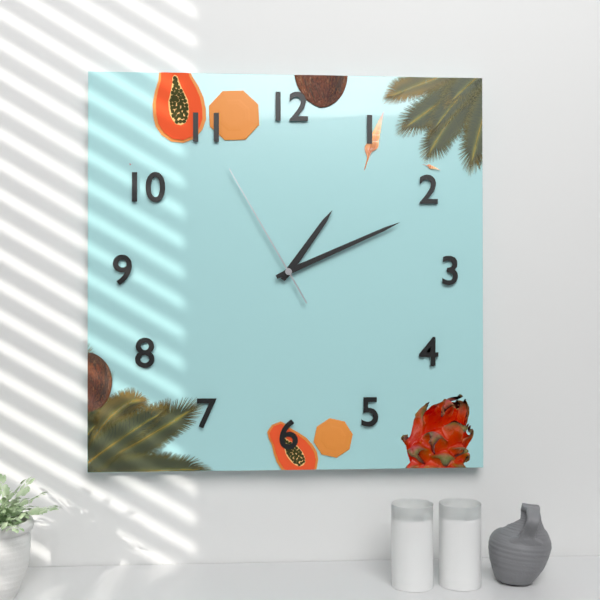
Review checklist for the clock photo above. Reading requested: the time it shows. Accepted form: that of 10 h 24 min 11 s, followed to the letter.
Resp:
1 h 11 min 55 s
